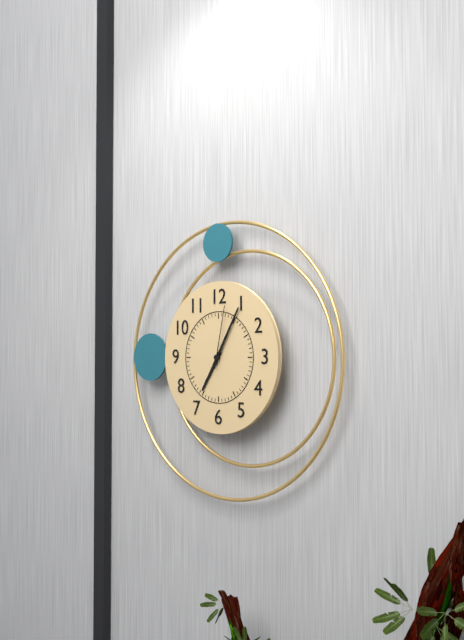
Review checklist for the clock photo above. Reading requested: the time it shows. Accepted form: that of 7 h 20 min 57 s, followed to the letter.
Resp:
7 h 05 min 02 s
